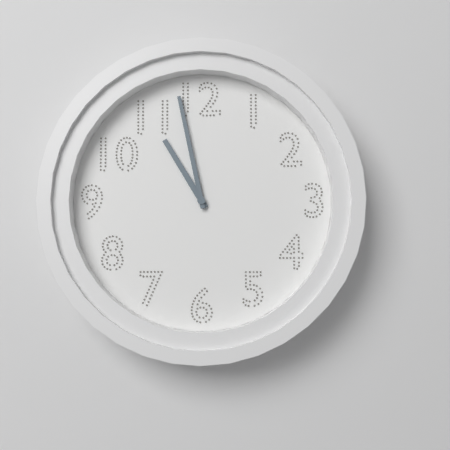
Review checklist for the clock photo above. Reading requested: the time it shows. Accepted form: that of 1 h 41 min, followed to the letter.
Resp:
10 h 58 min
